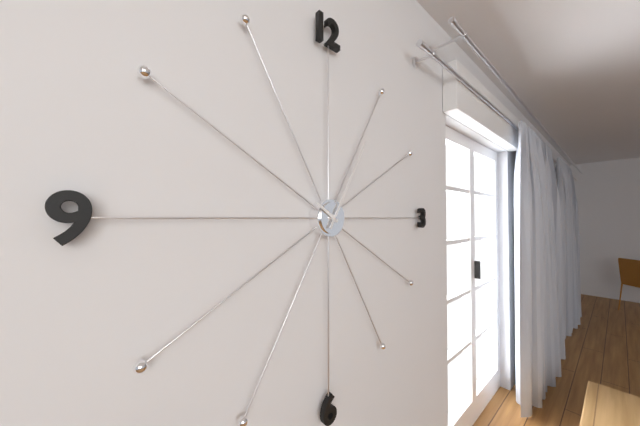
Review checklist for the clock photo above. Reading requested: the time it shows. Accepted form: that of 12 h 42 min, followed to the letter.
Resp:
10 h 05 min
